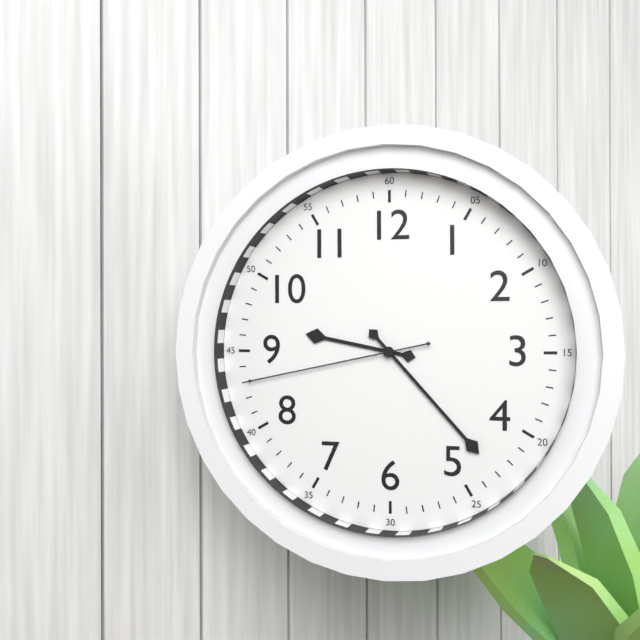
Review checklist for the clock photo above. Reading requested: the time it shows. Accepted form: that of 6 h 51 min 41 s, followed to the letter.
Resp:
9 h 23 min 43 s
